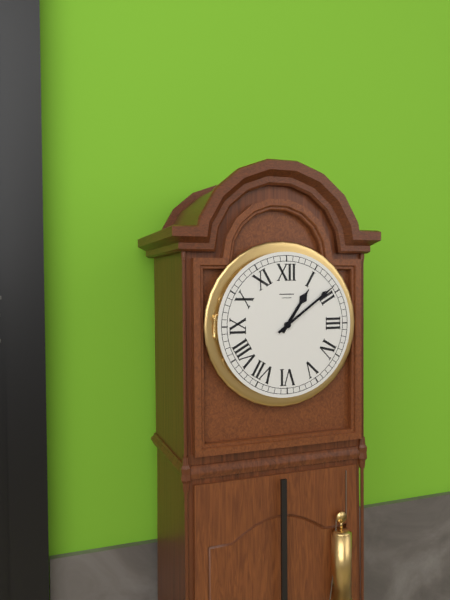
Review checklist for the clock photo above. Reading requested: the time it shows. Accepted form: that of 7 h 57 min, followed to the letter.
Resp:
1 h 09 min
